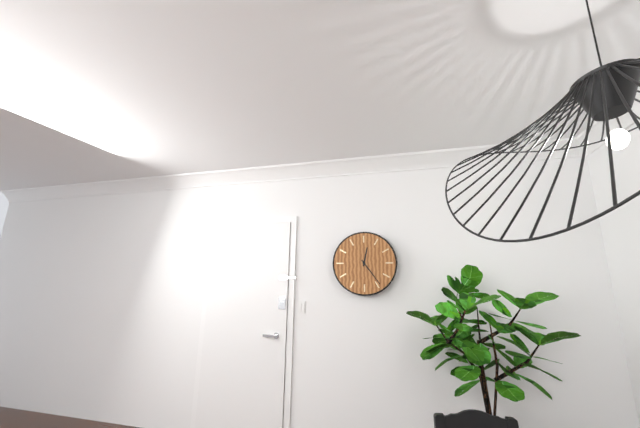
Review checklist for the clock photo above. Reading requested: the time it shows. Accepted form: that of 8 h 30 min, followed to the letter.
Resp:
12 h 24 min
